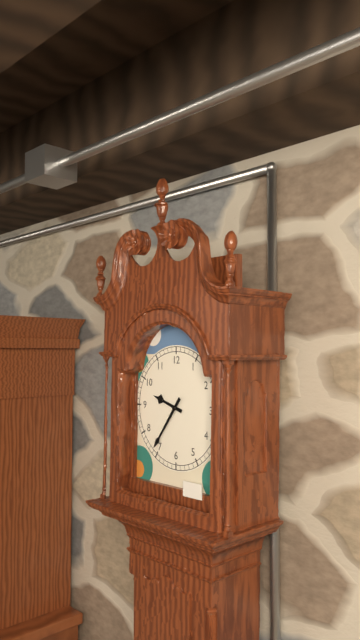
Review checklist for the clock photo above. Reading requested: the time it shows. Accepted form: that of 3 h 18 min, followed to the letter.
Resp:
9 h 36 min
